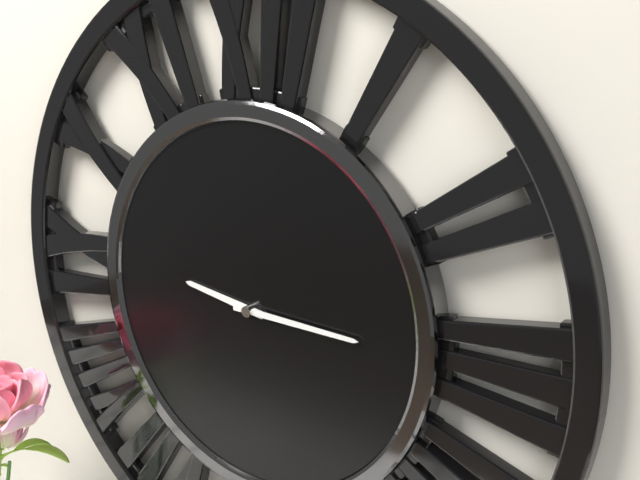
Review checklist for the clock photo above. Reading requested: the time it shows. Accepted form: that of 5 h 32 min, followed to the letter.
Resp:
9 h 15 min
